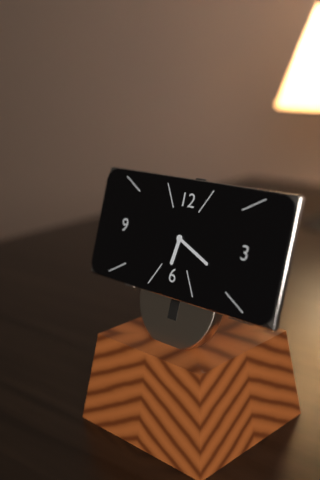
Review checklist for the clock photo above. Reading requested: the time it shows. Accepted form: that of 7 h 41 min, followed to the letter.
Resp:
6 h 19 min
